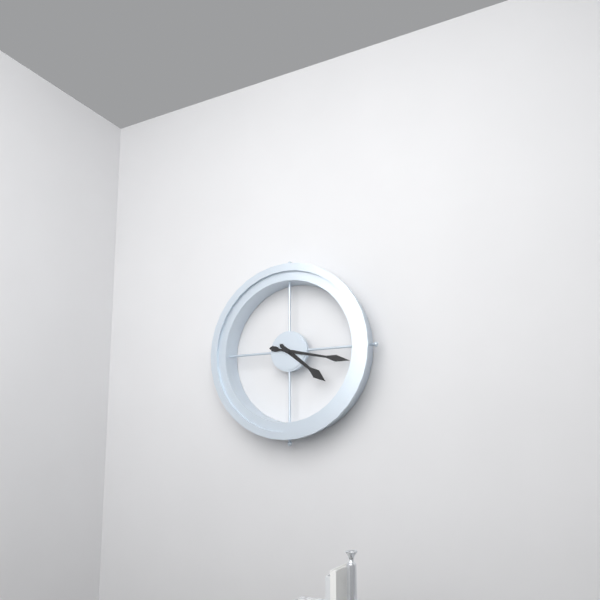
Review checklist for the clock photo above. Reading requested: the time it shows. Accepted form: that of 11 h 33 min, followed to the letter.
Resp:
4 h 17 min
